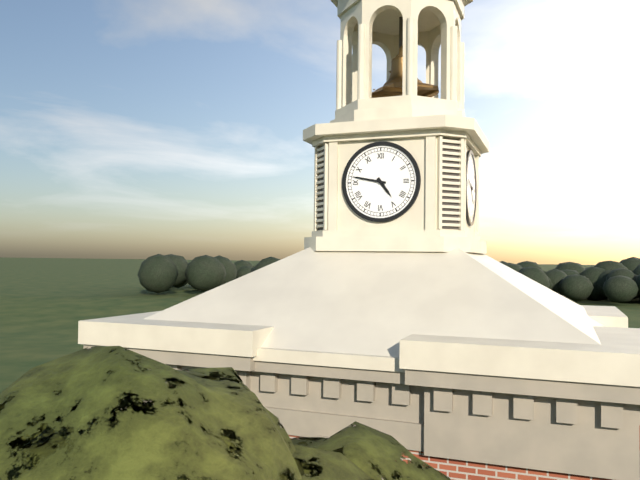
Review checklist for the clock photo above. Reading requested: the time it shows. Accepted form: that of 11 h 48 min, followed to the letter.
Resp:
4 h 47 min
